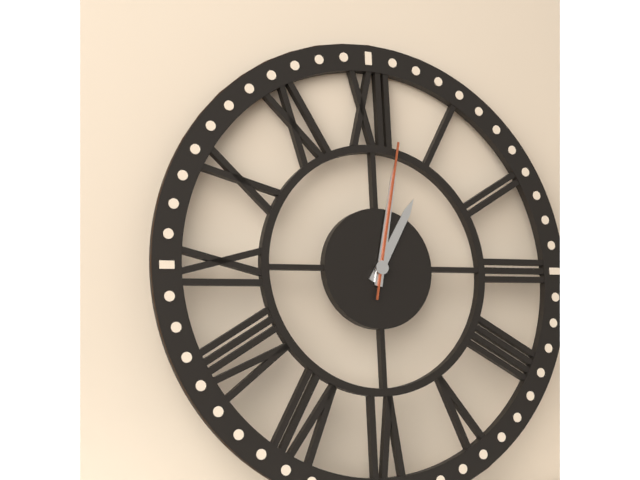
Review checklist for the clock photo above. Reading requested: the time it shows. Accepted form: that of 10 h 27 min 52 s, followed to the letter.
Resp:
1 h 02 min 02 s
